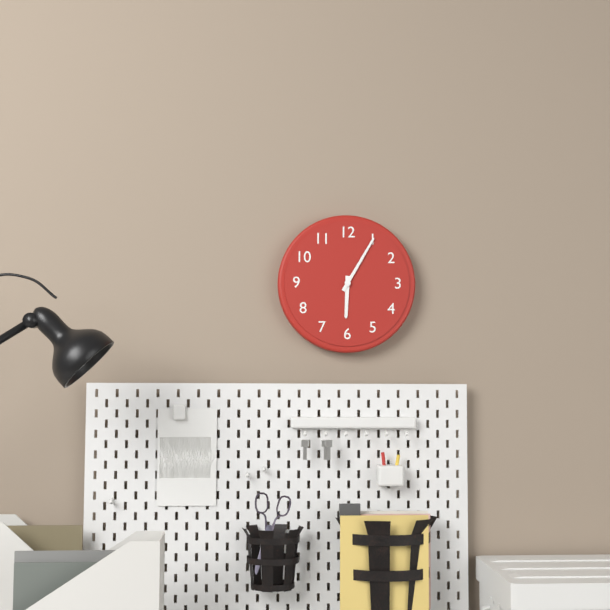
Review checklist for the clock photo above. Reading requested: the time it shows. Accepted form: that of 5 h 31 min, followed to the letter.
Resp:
6 h 05 min
